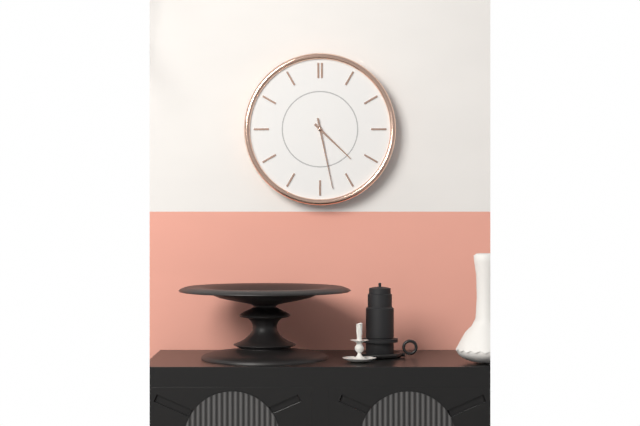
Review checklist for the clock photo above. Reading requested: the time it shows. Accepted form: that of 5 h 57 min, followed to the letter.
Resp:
4 h 28 min
